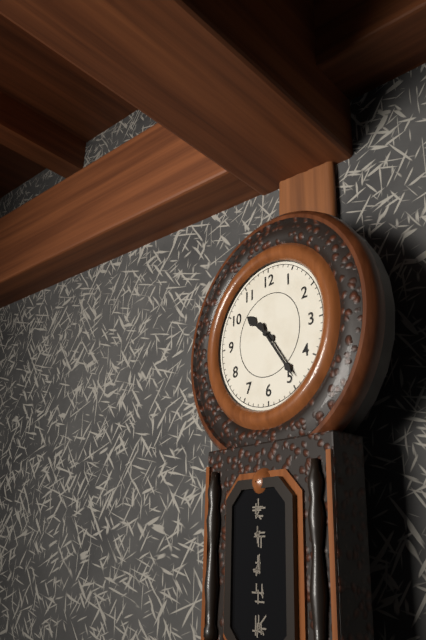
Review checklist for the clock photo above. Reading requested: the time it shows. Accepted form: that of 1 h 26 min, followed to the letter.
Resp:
10 h 24 min
